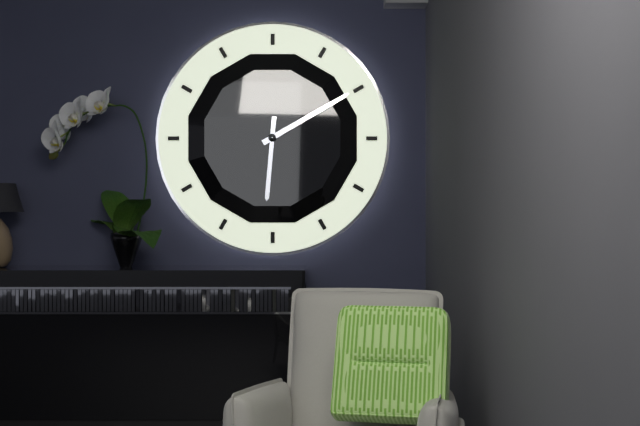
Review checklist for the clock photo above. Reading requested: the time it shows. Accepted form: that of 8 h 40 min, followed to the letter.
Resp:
6 h 10 min
